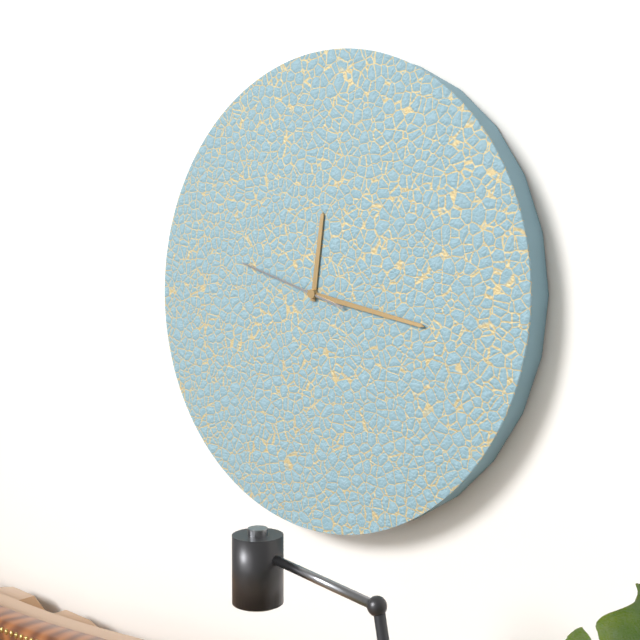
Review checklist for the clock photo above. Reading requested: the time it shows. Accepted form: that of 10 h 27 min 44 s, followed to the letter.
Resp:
12 h 17 min 48 s
